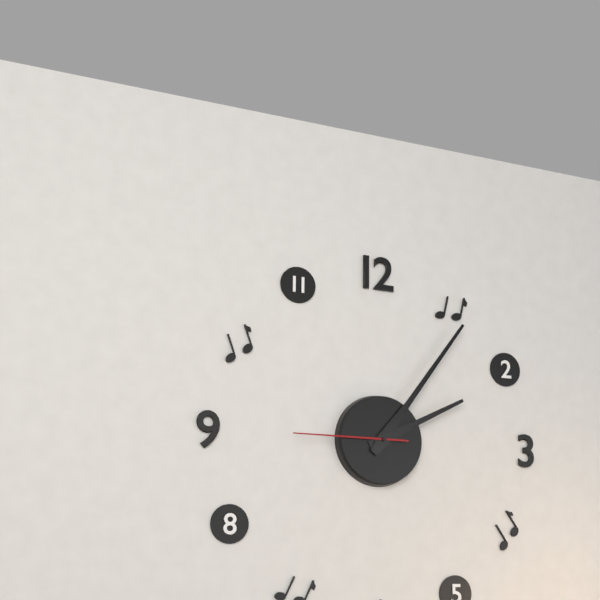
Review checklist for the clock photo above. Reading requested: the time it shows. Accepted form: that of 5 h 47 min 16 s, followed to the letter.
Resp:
2 h 06 min 45 s
